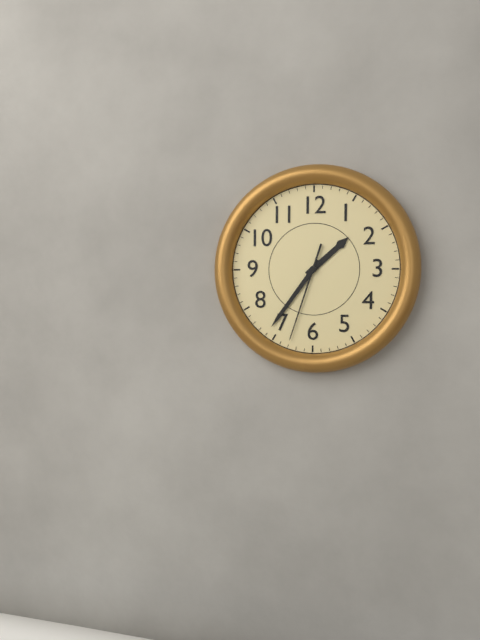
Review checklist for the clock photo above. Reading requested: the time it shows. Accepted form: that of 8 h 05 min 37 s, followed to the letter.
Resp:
1 h 36 min 33 s
